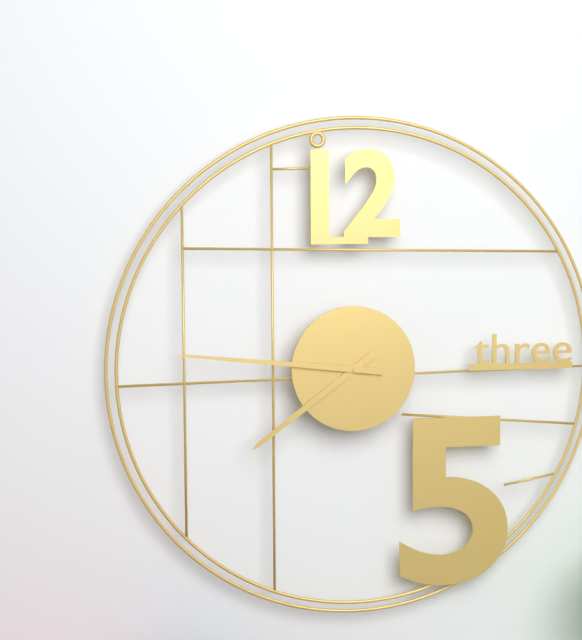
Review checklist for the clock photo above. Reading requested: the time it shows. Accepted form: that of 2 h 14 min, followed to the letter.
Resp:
7 h 46 min
